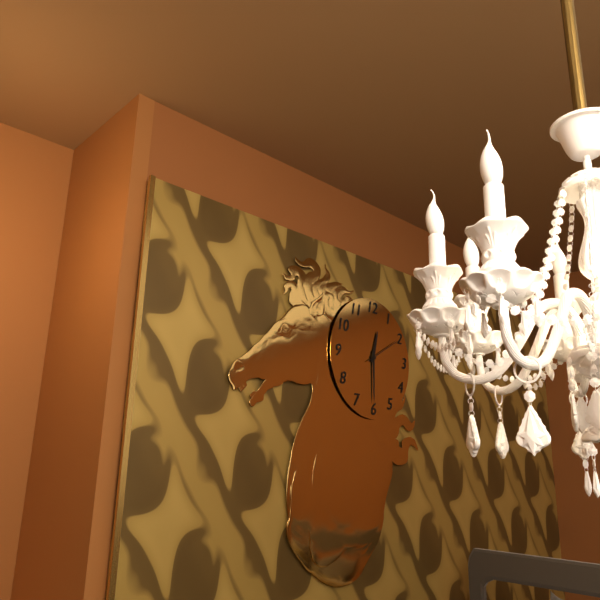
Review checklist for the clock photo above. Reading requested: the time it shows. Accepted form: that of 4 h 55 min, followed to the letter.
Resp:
12 h 30 min
